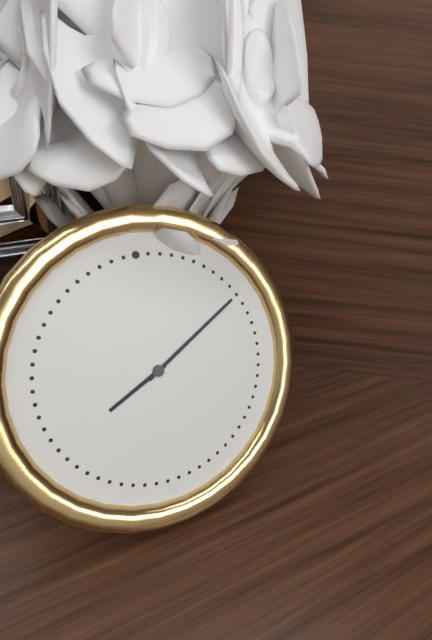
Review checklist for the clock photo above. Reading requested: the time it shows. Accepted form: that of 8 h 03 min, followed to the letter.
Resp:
8 h 10 min
